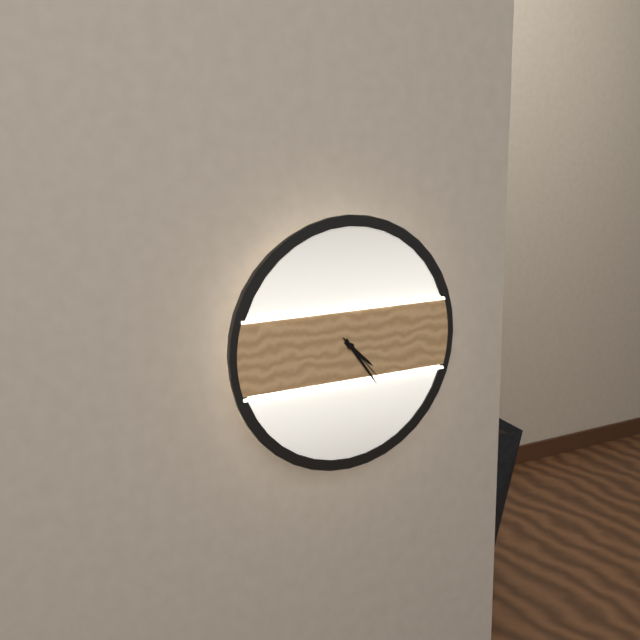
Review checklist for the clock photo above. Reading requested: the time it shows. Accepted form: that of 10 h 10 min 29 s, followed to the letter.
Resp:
4 h 24 min 23 s
